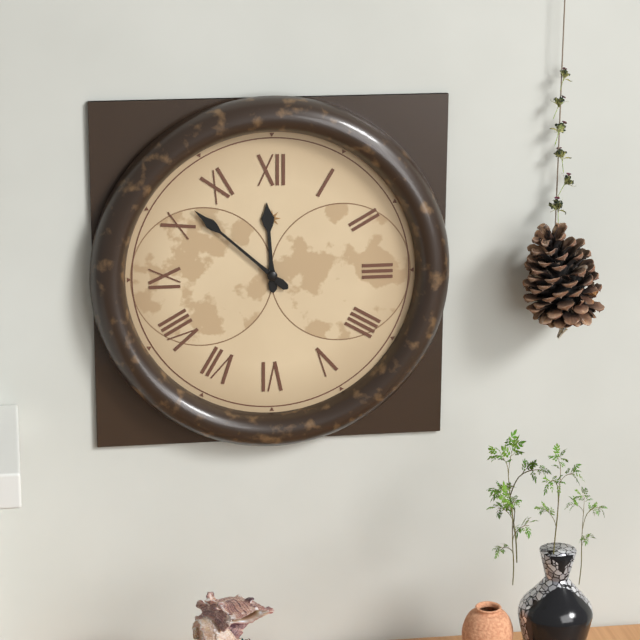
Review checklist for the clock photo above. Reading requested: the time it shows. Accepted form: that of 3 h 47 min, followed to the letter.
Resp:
11 h 52 min
